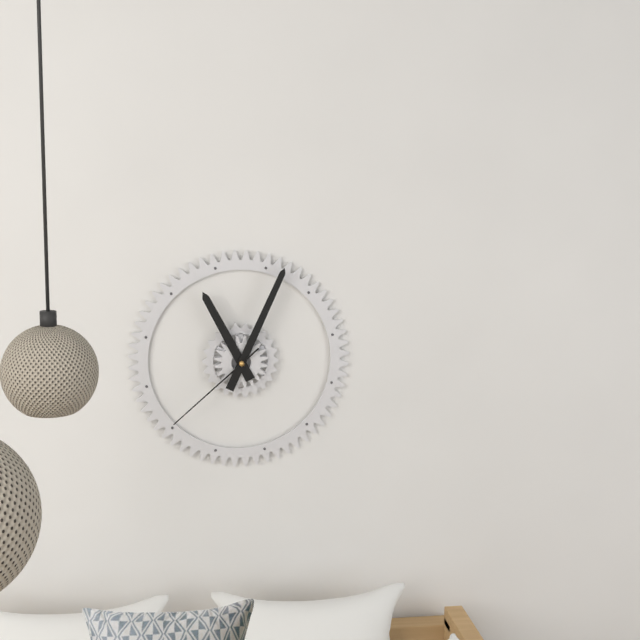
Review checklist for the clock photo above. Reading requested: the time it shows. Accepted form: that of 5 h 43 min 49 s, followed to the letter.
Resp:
11 h 04 min 38 s
